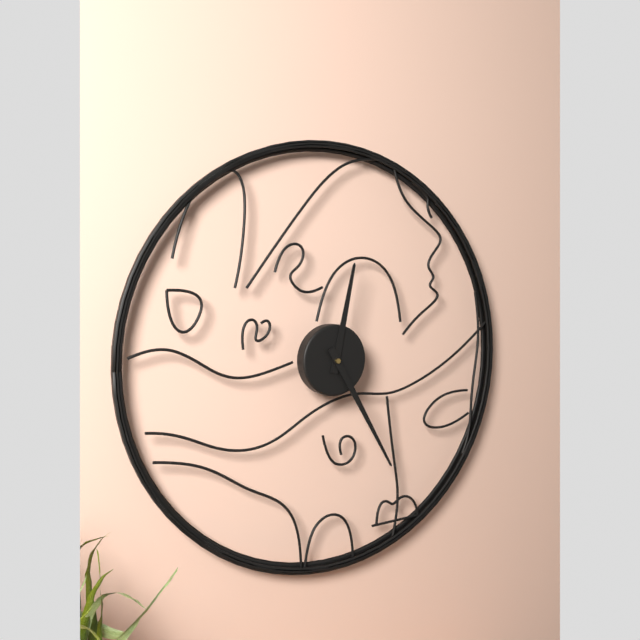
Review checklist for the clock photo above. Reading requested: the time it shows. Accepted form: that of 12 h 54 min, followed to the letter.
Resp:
12 h 25 min
